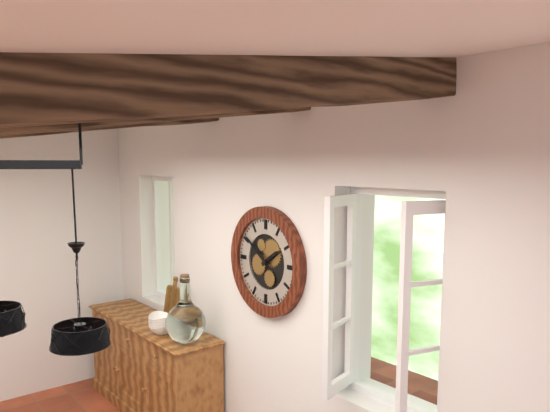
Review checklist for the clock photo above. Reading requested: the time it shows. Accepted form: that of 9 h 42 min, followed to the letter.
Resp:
1 h 51 min
